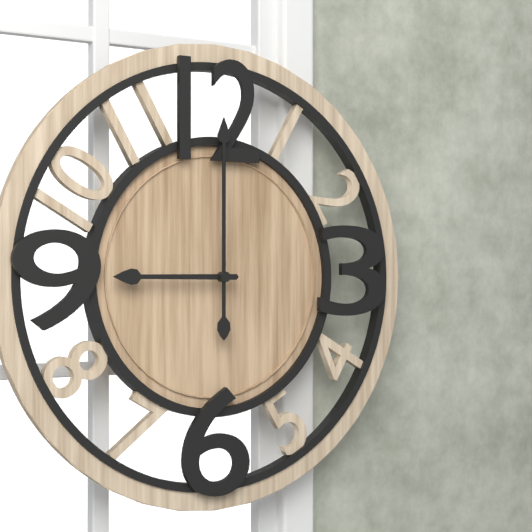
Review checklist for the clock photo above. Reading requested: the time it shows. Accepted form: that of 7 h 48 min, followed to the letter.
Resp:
9 h 00 min
